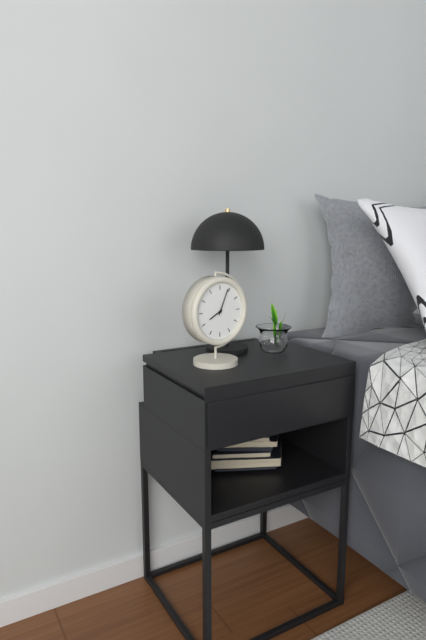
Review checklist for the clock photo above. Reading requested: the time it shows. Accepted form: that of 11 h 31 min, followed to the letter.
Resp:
8 h 04 min
